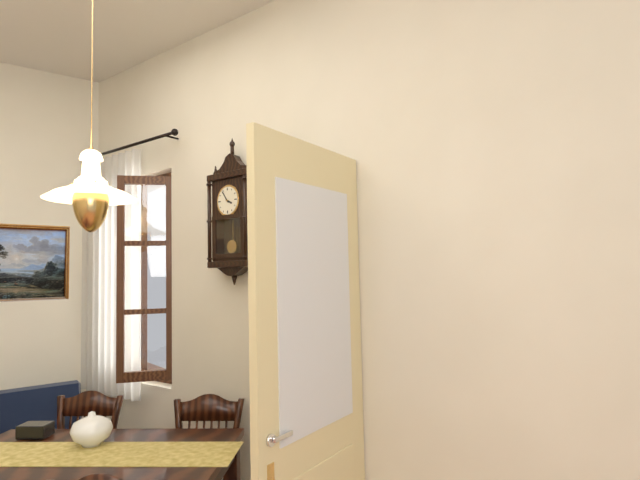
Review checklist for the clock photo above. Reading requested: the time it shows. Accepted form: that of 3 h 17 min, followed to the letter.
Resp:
3 h 54 min
